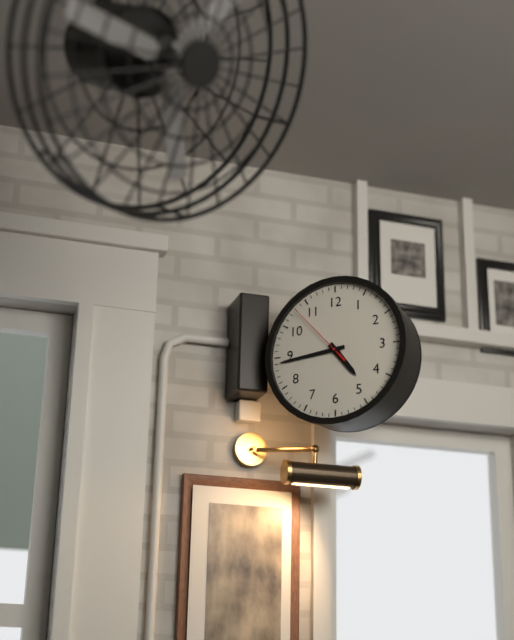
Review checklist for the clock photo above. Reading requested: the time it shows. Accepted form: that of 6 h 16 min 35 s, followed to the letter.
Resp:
4 h 44 min 53 s
